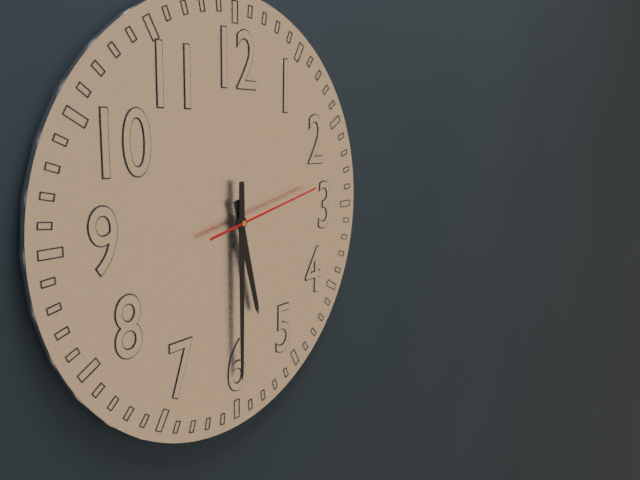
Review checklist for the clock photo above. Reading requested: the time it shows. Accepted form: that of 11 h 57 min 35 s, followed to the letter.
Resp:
5 h 30 min 13 s
